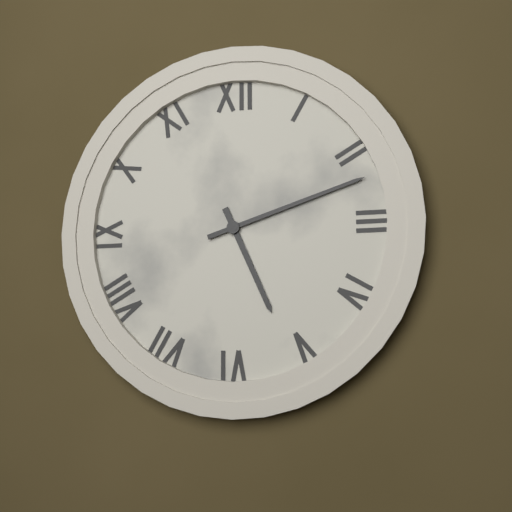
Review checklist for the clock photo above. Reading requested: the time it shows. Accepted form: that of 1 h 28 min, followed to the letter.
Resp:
5 h 12 min
